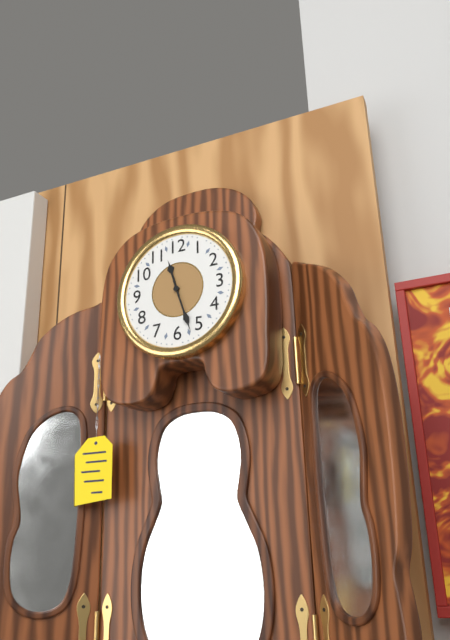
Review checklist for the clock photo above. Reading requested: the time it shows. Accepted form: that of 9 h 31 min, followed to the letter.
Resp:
11 h 27 min
